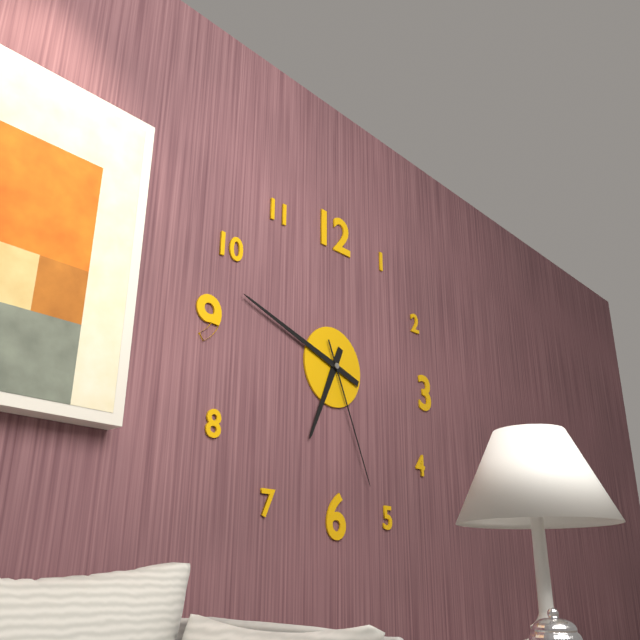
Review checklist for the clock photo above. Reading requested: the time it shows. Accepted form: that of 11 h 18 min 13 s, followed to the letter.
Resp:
6 h 48 min 26 s
